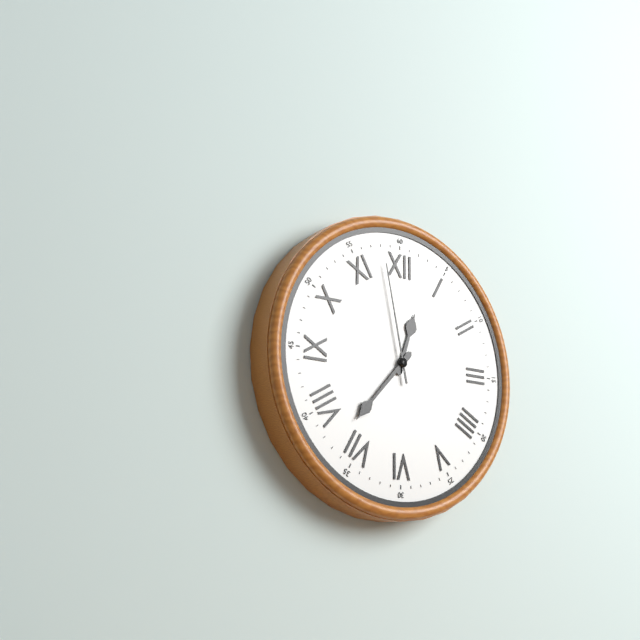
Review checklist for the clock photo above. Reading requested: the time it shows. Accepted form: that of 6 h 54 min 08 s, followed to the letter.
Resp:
12 h 37 min 58 s
